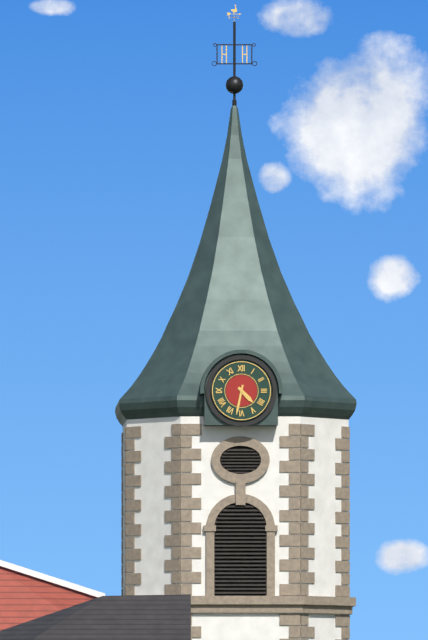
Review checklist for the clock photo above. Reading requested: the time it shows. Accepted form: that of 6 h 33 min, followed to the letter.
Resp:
4 h 32 min
